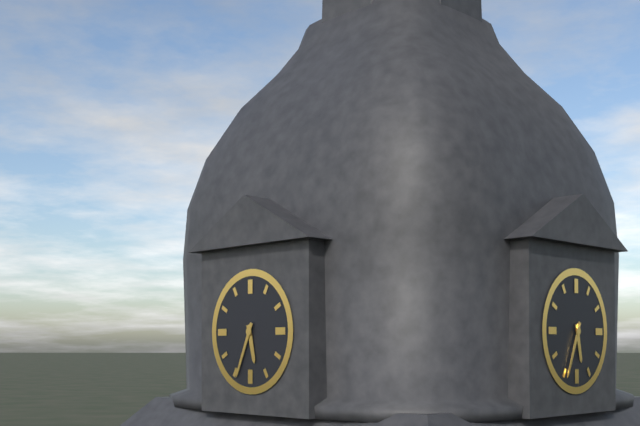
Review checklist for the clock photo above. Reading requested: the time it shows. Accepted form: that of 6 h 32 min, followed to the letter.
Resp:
5 h 34 min
